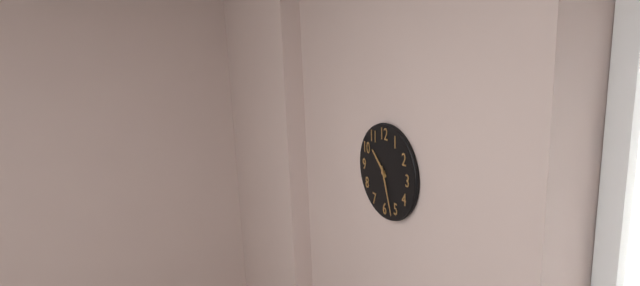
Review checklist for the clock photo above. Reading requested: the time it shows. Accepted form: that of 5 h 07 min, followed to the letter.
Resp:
10 h 27 min
